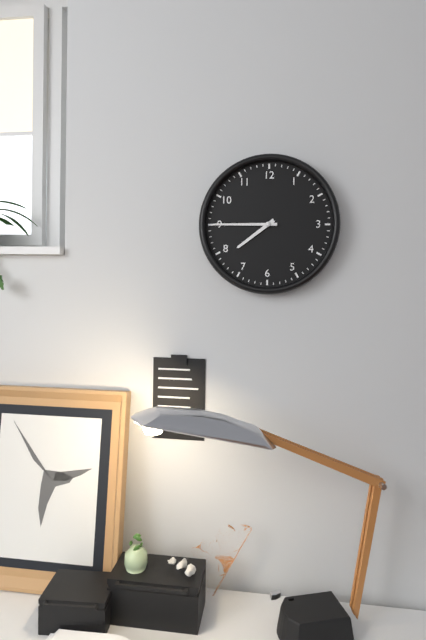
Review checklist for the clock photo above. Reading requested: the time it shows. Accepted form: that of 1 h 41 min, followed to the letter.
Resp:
7 h 45 min
